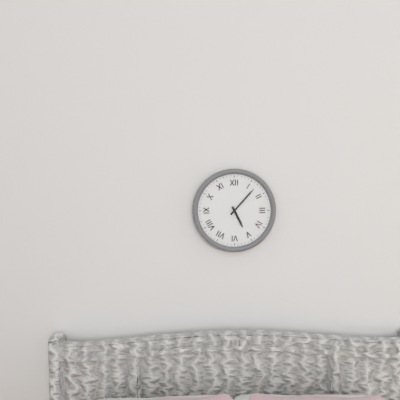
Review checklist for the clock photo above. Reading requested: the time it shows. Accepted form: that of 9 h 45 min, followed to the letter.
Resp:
5 h 07 min
